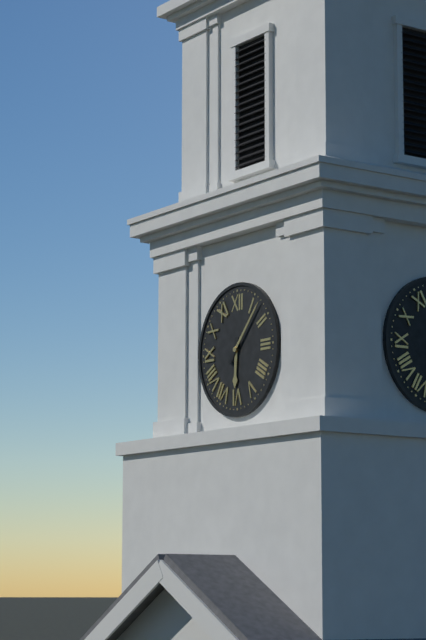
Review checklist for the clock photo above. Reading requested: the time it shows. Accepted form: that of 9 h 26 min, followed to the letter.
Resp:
6 h 07 min
